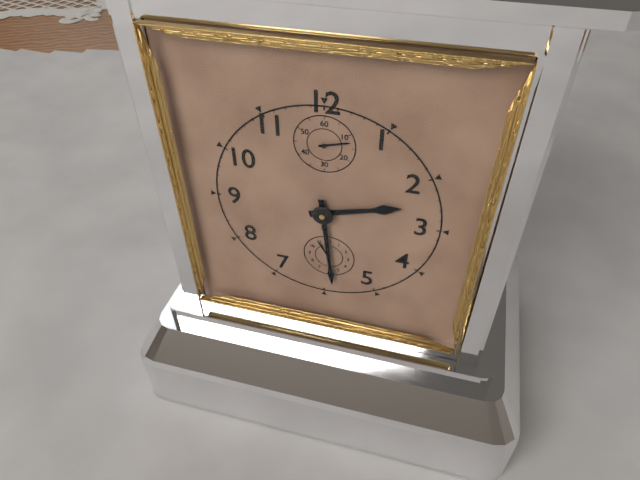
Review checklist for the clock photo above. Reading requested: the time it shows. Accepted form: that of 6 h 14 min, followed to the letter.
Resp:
2 h 29 min
